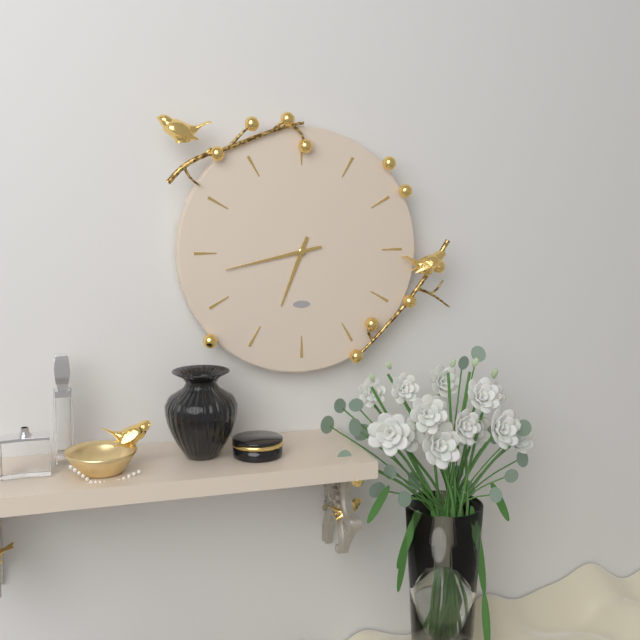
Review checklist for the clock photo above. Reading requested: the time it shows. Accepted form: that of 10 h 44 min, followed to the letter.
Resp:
6 h 43 min
